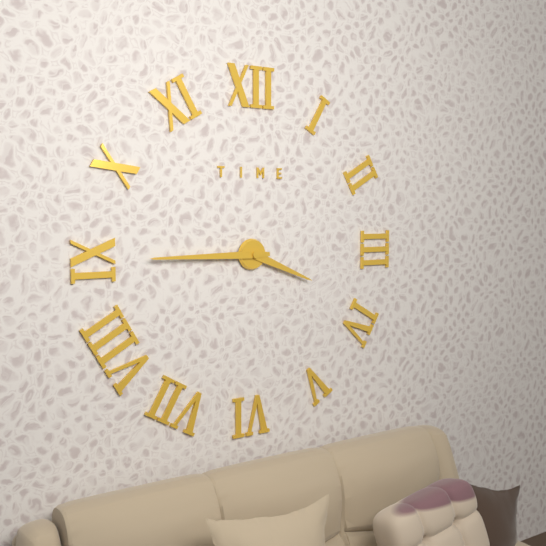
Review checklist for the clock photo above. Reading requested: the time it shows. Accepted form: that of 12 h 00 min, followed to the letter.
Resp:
3 h 45 min
